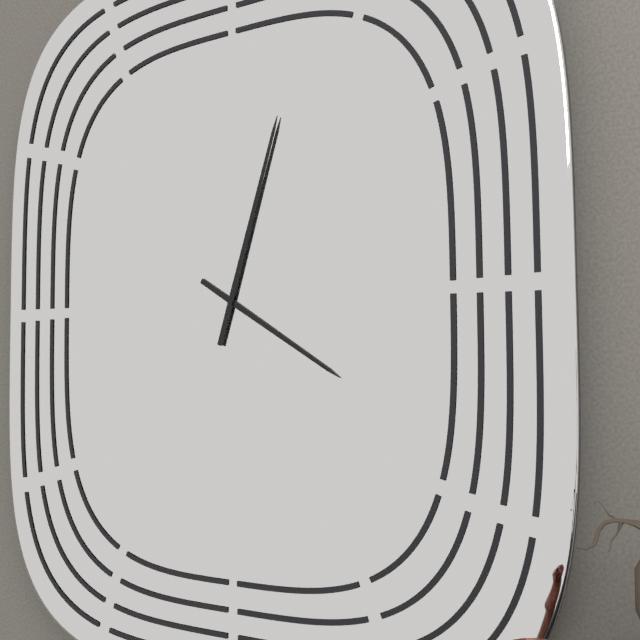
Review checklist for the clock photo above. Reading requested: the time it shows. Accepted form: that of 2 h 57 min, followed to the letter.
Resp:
4 h 03 min
